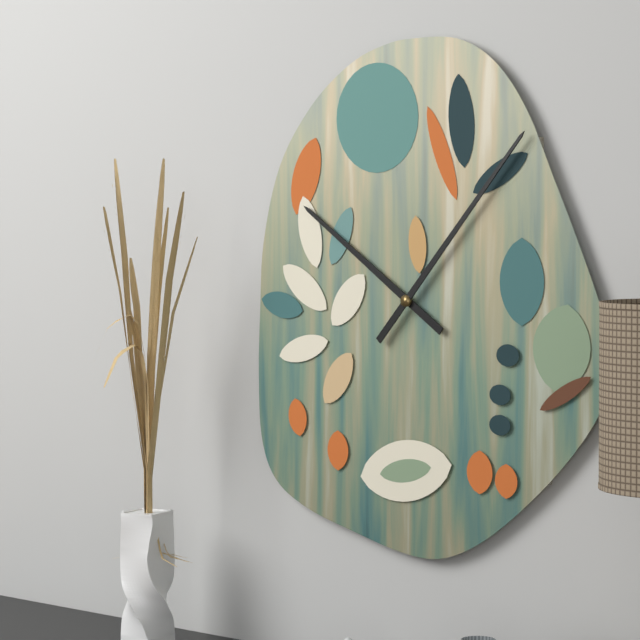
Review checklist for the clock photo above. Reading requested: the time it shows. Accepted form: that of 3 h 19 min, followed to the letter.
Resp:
10 h 07 min
